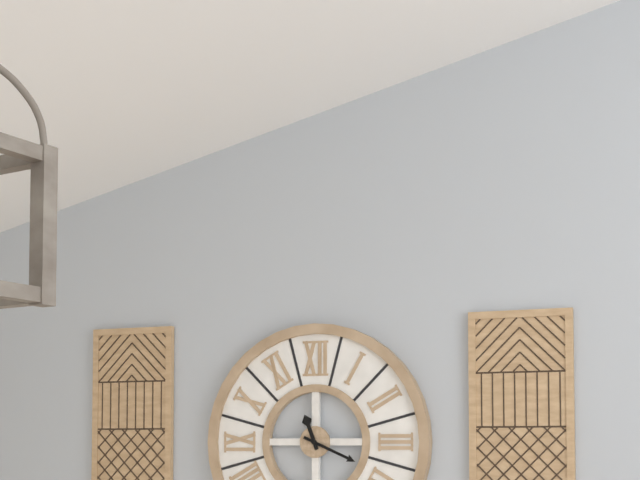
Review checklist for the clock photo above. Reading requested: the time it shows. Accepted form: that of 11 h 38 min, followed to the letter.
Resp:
11 h 19 min
